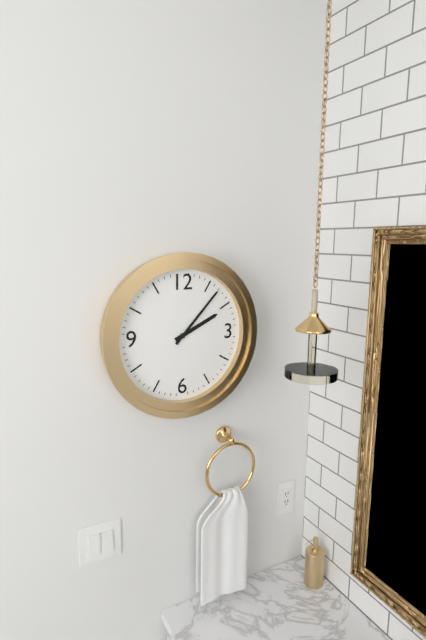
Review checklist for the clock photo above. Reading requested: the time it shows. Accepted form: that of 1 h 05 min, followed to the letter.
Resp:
2 h 07 min
